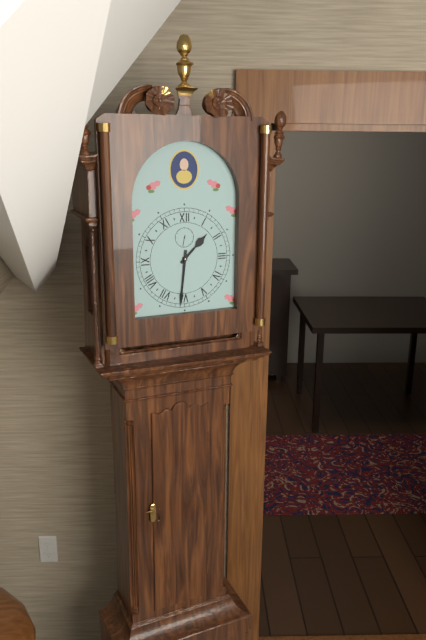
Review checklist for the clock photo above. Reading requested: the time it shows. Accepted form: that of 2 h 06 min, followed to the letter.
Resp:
1 h 31 min
